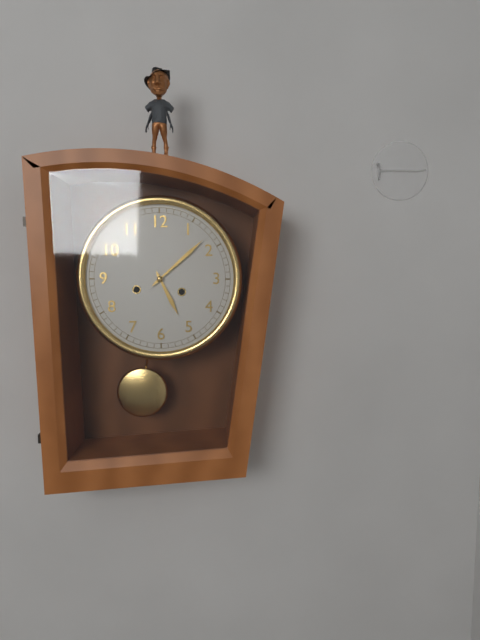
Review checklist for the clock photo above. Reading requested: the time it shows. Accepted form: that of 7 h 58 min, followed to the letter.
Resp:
5 h 08 min
